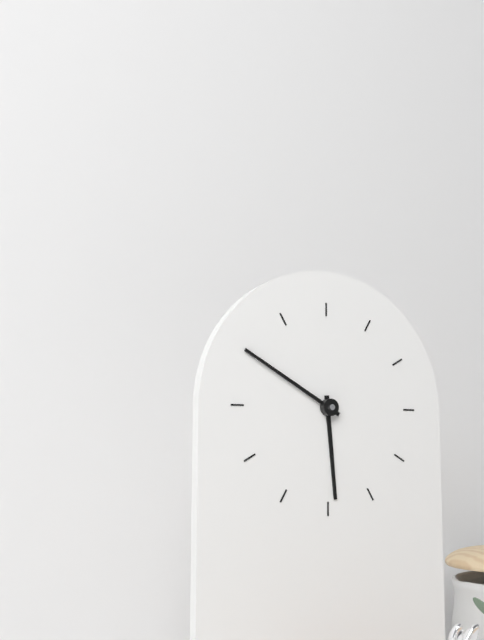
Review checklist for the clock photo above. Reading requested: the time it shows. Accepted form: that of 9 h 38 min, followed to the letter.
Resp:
5 h 50 min
